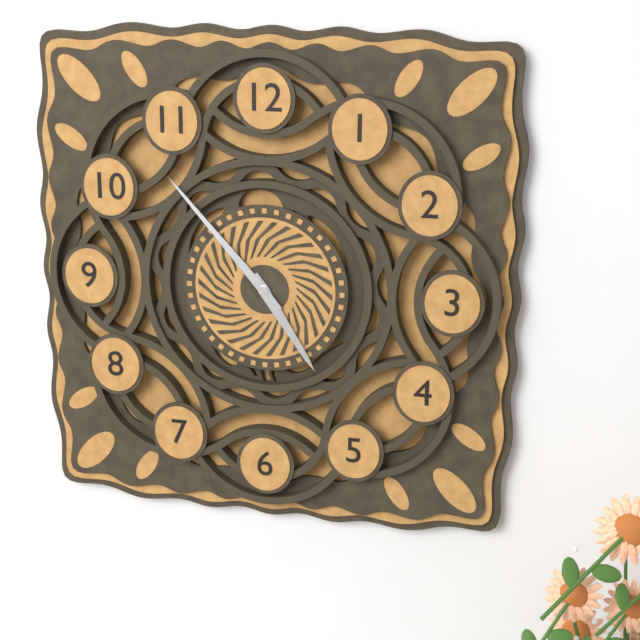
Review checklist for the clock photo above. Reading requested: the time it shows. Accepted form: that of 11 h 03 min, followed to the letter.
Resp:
4 h 53 min
